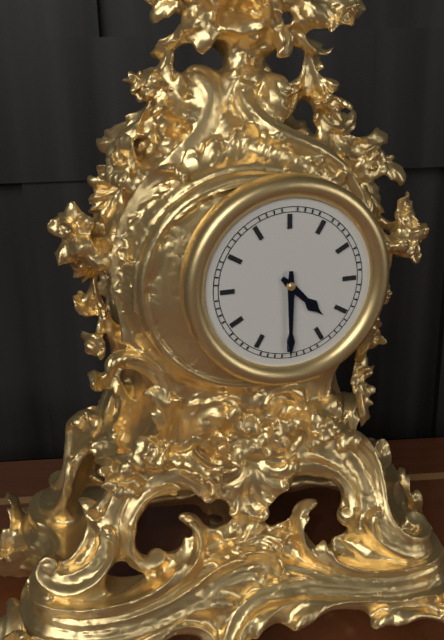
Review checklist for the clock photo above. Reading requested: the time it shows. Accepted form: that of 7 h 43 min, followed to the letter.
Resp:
4 h 30 min
